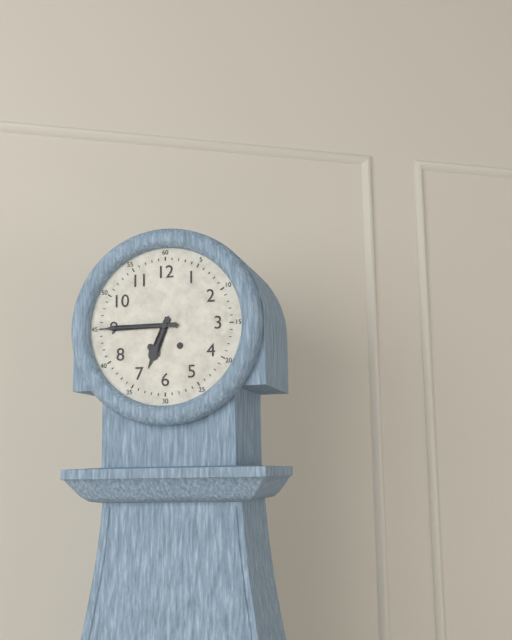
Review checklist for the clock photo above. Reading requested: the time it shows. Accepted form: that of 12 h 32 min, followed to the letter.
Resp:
6 h 45 min
